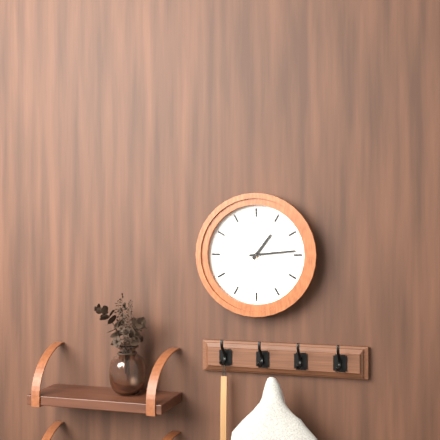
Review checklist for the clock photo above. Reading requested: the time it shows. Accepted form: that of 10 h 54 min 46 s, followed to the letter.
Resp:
1 h 14 min 27 s
